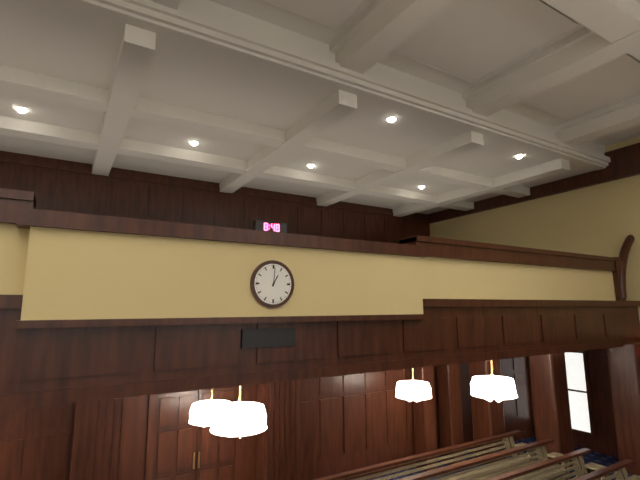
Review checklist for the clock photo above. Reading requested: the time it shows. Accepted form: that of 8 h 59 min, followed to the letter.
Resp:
1 h 01 min
